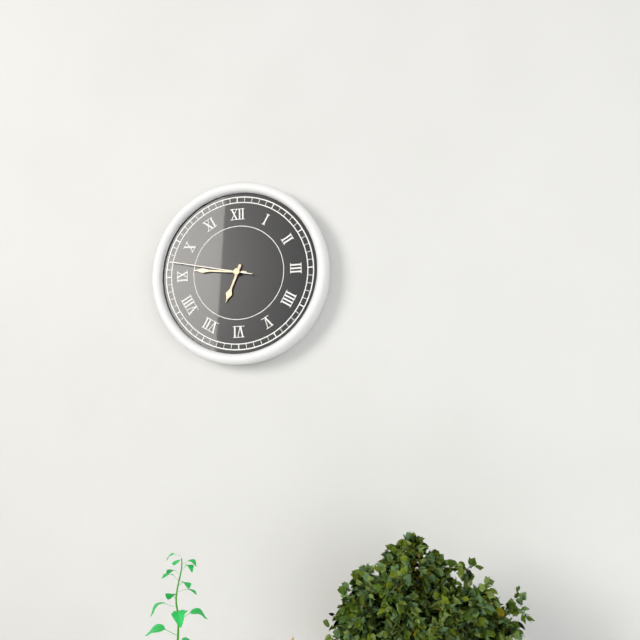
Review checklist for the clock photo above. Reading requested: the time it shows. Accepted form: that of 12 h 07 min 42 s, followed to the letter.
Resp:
6 h 46 min 47 s
